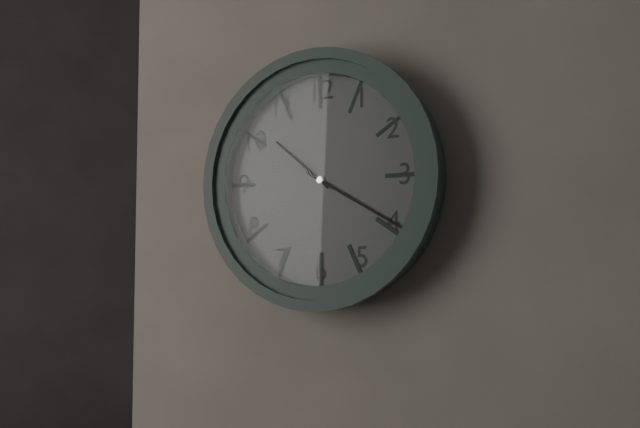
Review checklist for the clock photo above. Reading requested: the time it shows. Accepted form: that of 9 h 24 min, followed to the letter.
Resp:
10 h 20 min
